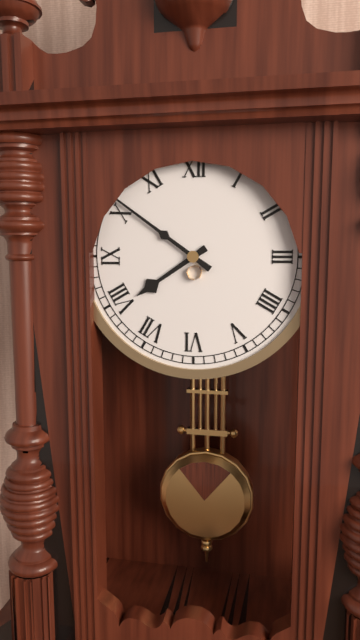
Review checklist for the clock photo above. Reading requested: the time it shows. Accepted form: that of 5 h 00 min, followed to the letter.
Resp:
7 h 51 min
